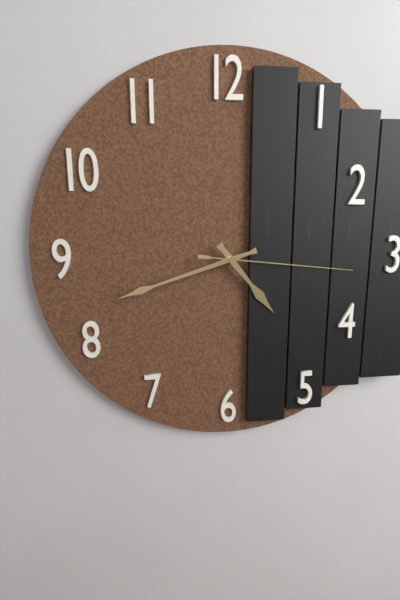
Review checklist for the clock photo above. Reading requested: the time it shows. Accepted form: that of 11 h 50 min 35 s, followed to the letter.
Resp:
4 h 42 min 16 s
